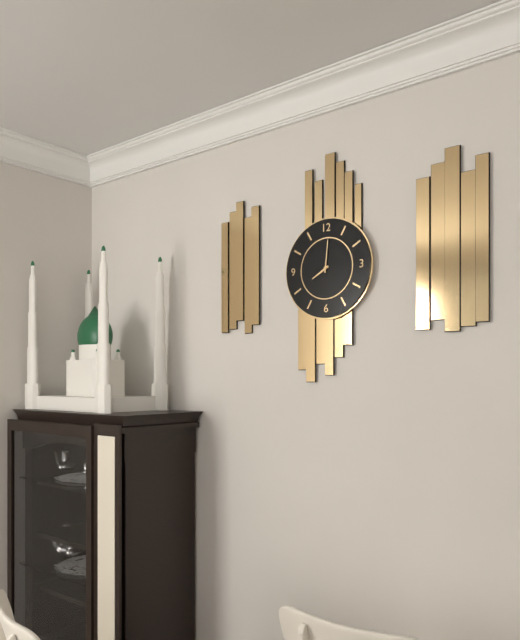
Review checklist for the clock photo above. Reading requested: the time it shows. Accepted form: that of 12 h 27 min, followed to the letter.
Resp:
8 h 01 min
